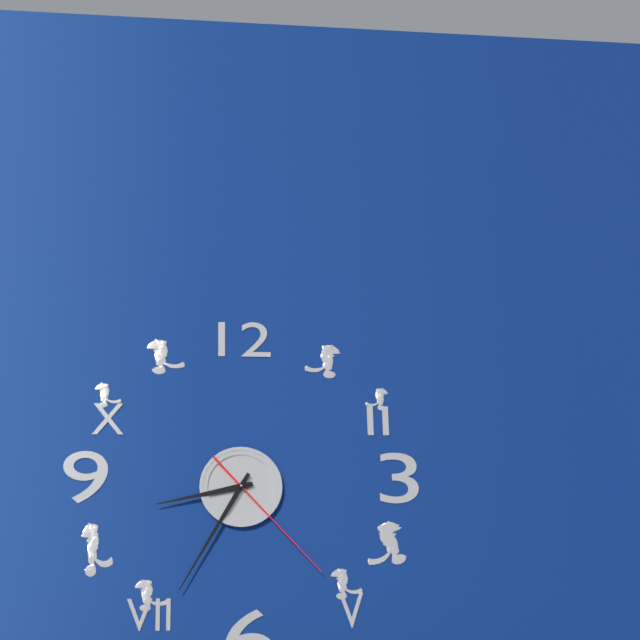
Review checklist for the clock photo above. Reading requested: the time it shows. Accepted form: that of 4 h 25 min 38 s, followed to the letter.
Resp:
8 h 35 min 23 s
